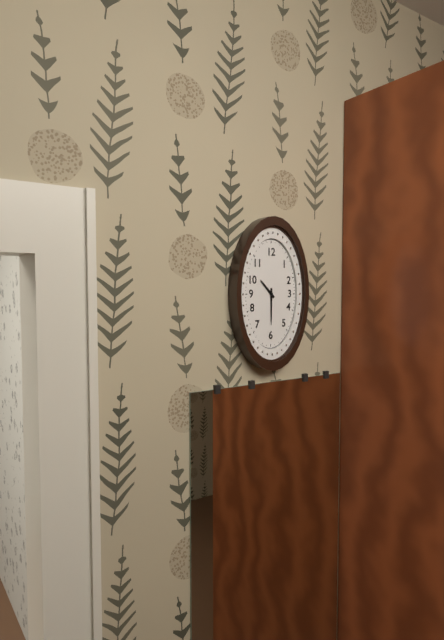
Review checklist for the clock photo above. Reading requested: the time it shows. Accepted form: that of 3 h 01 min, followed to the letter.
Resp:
10 h 30 min
